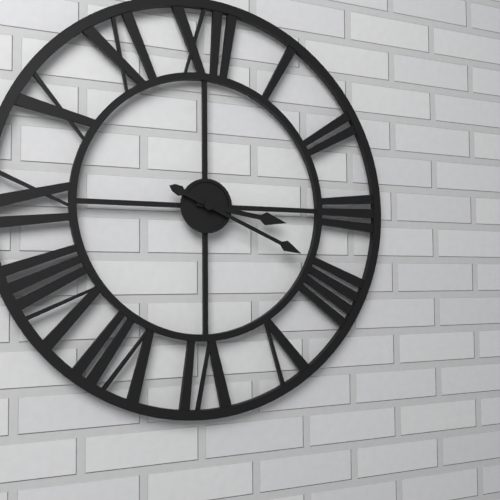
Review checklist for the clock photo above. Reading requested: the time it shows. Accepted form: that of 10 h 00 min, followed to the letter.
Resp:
3 h 19 min
